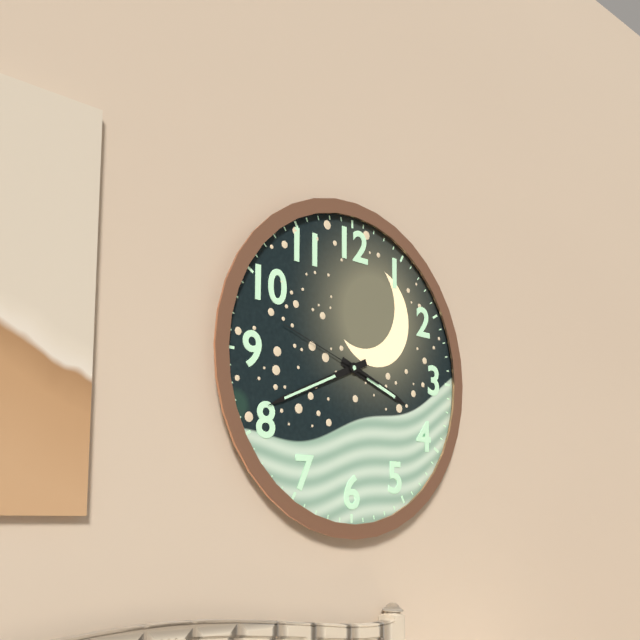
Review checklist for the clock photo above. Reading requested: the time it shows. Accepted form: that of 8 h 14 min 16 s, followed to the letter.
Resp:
3 h 41 min 48 s
